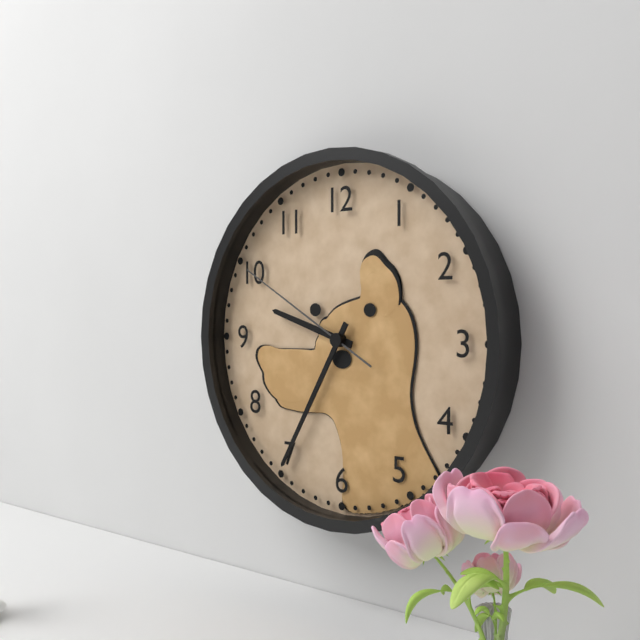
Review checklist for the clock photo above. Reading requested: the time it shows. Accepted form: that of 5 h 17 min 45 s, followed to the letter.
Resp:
9 h 35 min 50 s
